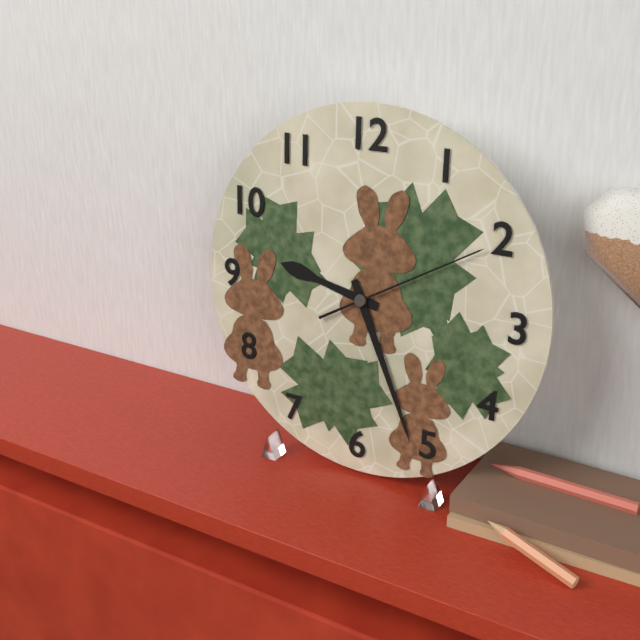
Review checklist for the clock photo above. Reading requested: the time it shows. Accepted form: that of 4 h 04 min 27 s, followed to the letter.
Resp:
9 h 26 min 10 s
